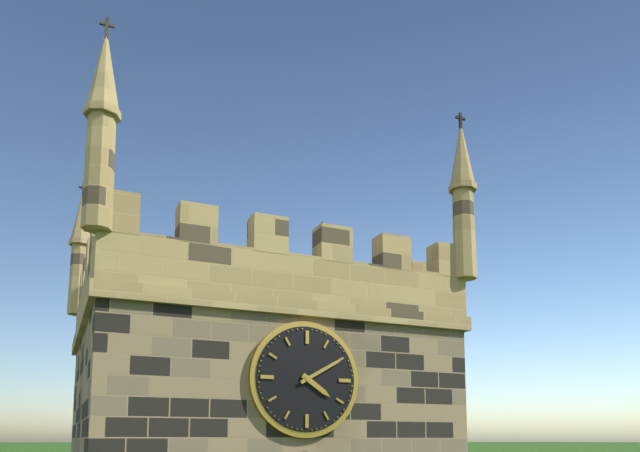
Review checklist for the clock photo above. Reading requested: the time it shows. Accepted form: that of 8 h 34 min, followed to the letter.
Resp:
4 h 10 min
